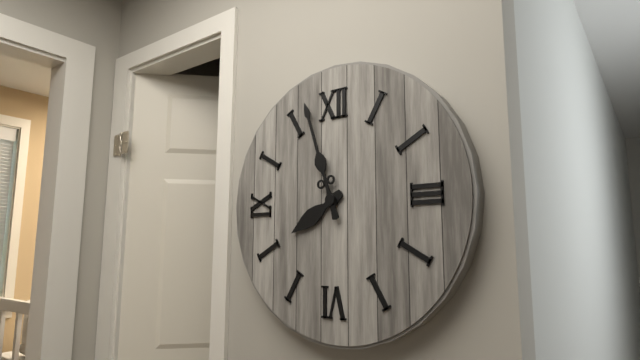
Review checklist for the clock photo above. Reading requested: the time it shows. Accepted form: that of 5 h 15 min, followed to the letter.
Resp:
7 h 57 min
